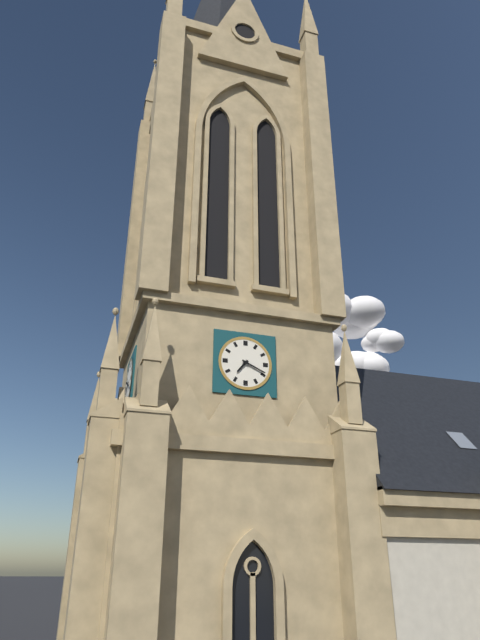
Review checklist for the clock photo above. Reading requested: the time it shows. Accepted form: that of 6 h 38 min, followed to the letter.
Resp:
7 h 19 min
